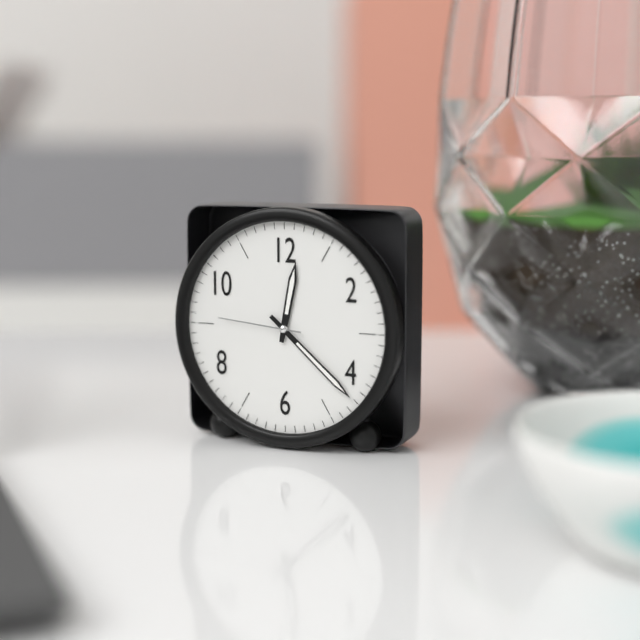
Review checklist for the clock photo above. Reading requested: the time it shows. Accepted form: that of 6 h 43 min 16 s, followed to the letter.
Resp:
12 h 22 min 46 s
